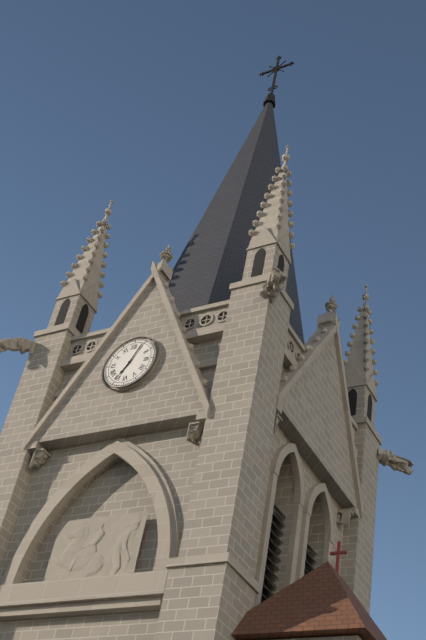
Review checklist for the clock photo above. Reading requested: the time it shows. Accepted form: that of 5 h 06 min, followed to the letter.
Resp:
7 h 04 min
